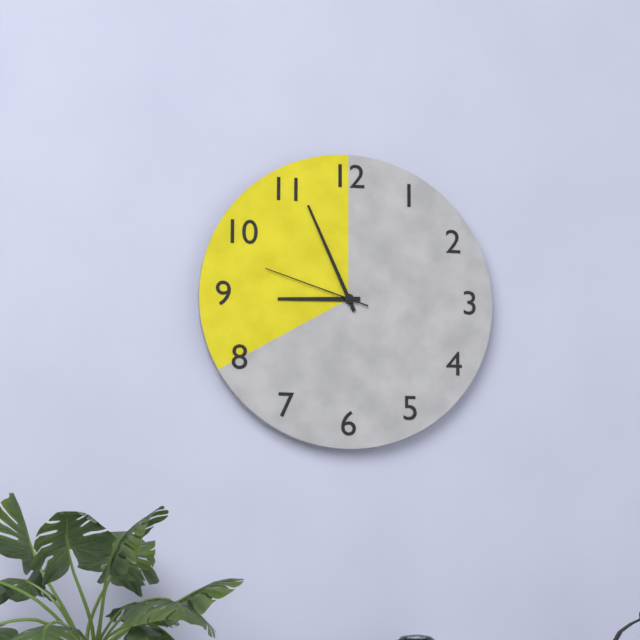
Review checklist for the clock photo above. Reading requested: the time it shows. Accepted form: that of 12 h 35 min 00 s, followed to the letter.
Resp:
8 h 56 min 48 s
